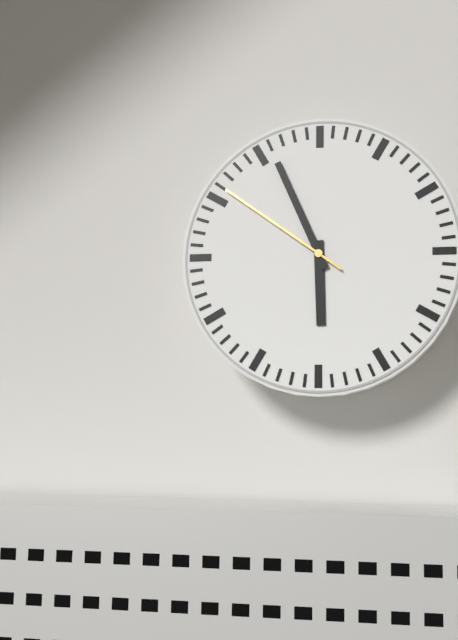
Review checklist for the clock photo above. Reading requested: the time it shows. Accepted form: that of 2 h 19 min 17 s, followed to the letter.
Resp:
5 h 56 min 51 s
